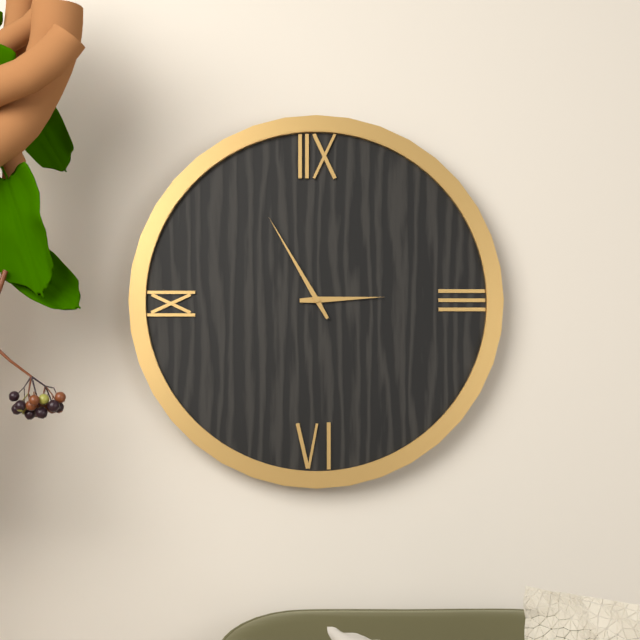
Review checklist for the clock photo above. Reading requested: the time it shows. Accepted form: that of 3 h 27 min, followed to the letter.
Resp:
2 h 55 min
